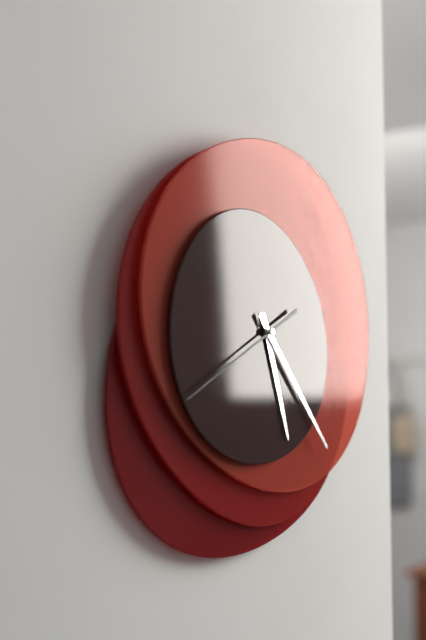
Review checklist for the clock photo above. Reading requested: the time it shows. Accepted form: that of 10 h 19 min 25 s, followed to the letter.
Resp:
5 h 23 min 40 s
